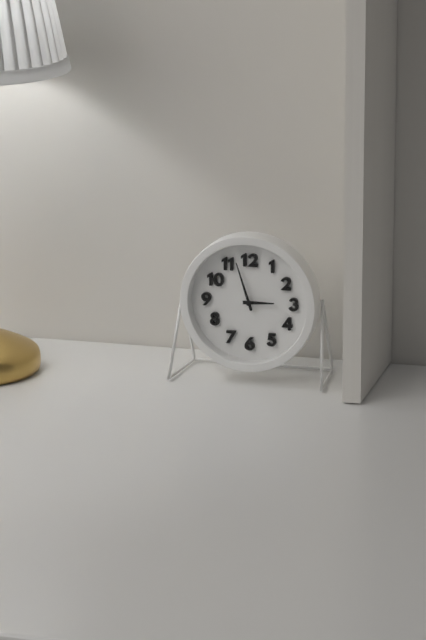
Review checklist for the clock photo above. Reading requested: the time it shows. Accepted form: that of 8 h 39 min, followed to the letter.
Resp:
2 h 57 min
